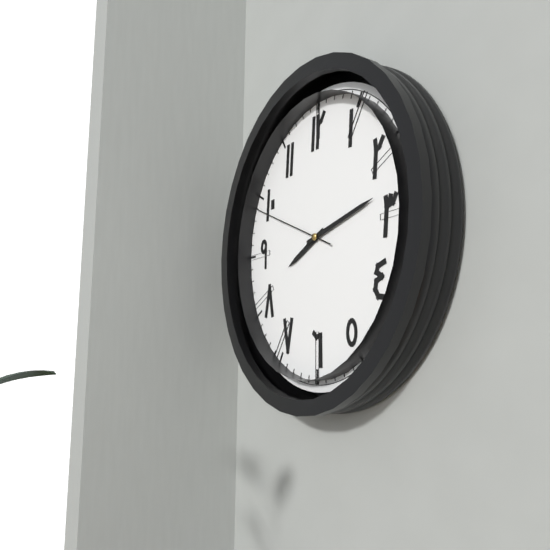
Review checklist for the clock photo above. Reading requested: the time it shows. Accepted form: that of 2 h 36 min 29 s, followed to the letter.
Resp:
8 h 13 min 49 s
